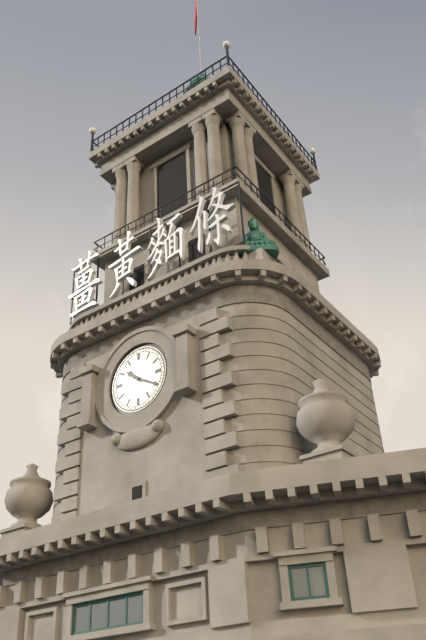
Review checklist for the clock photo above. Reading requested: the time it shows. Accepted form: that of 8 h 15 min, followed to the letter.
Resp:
10 h 20 min
